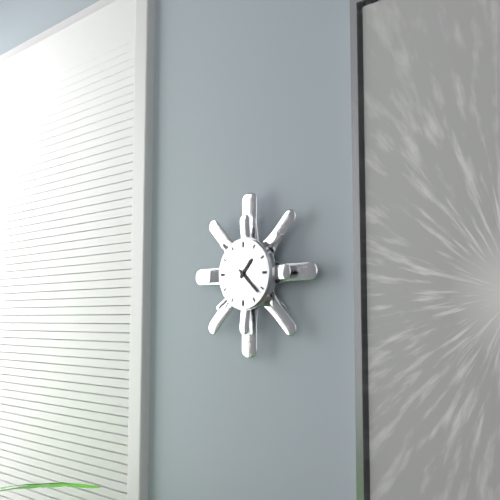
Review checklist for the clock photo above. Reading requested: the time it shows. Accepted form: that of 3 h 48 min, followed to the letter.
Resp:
1 h 22 min
